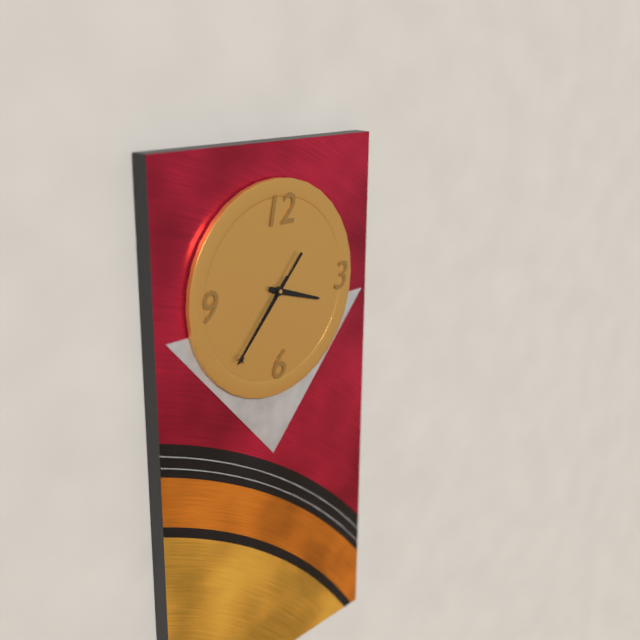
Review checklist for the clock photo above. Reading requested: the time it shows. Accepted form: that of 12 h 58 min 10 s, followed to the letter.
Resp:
3 h 37 min 37 s
